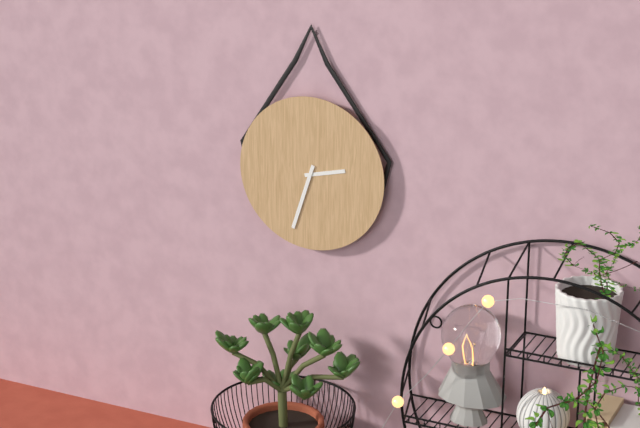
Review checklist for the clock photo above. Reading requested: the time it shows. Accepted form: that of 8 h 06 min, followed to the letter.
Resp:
2 h 33 min
